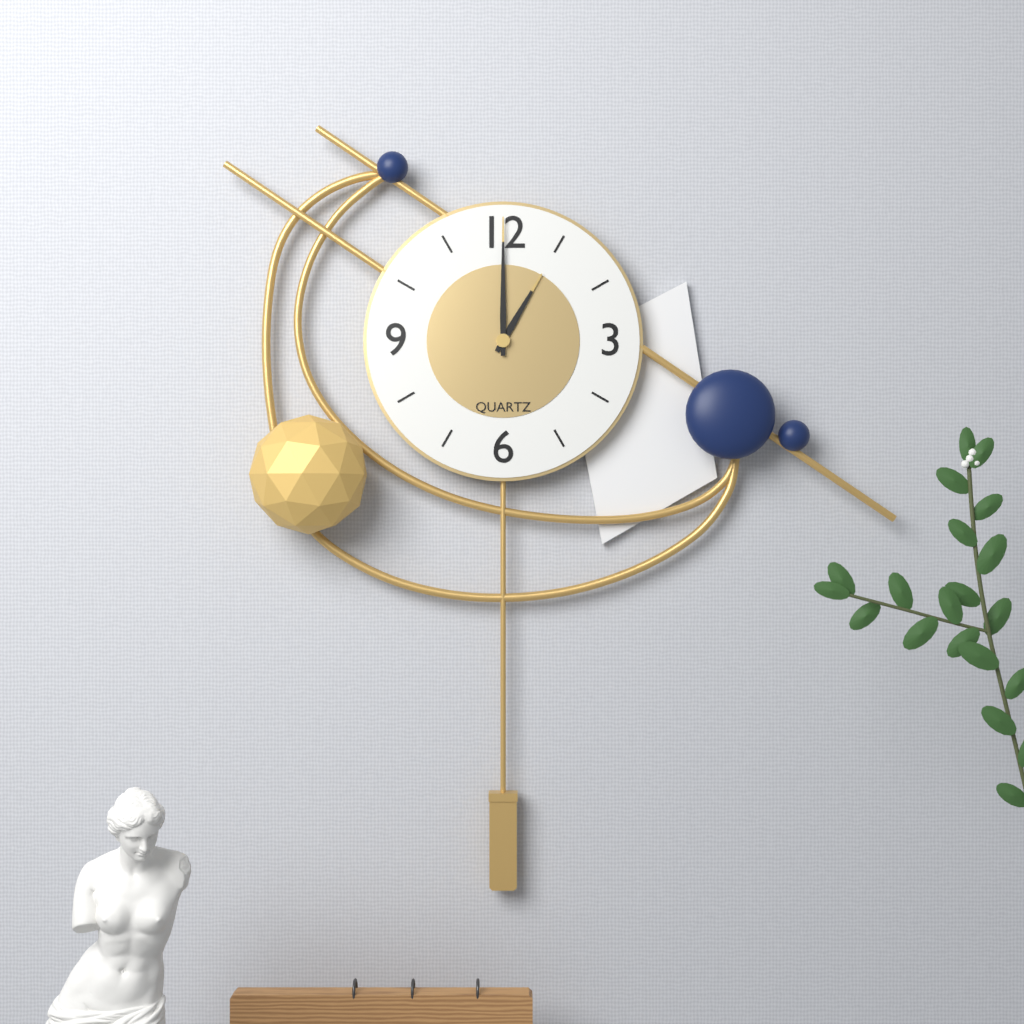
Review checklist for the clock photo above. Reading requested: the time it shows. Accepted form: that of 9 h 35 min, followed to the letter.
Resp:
1 h 00 min
